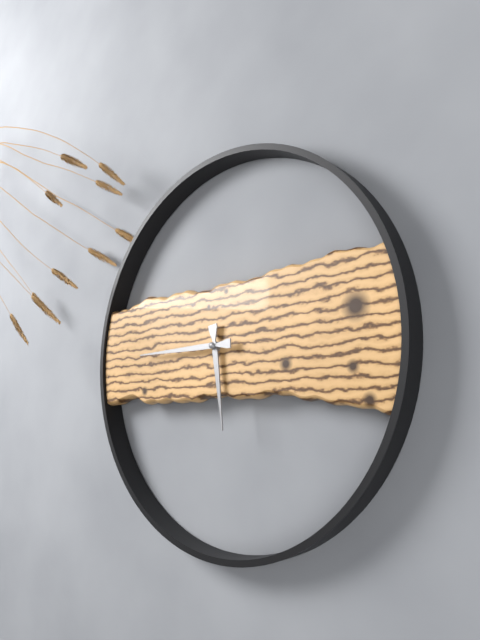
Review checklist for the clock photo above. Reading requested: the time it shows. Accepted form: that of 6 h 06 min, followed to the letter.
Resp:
5 h 45 min
